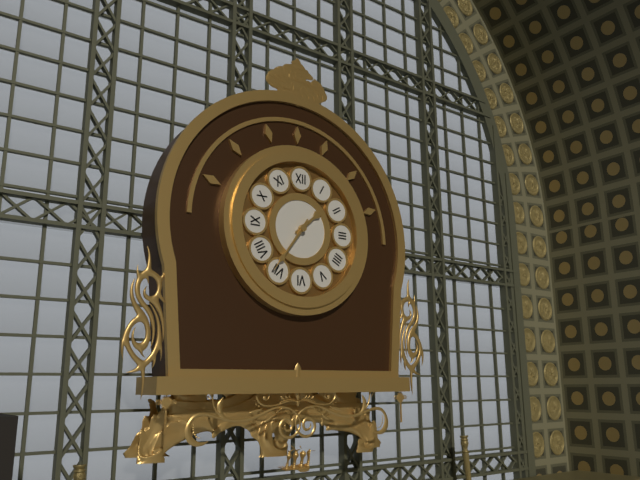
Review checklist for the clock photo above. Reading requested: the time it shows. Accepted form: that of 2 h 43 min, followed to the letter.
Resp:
1 h 36 min
